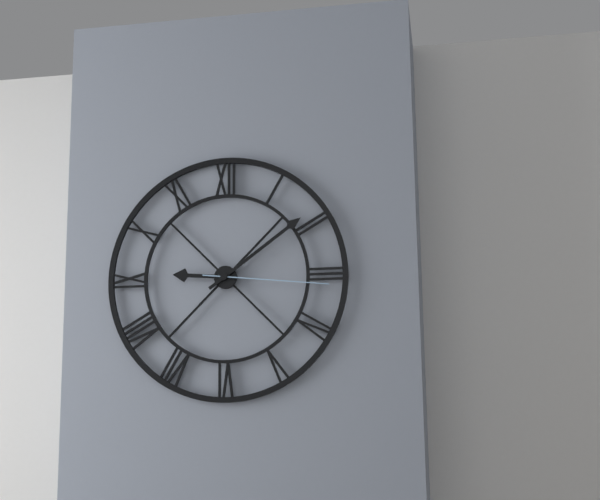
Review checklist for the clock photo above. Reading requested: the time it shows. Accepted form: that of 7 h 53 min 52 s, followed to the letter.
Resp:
9 h 09 min 16 s
